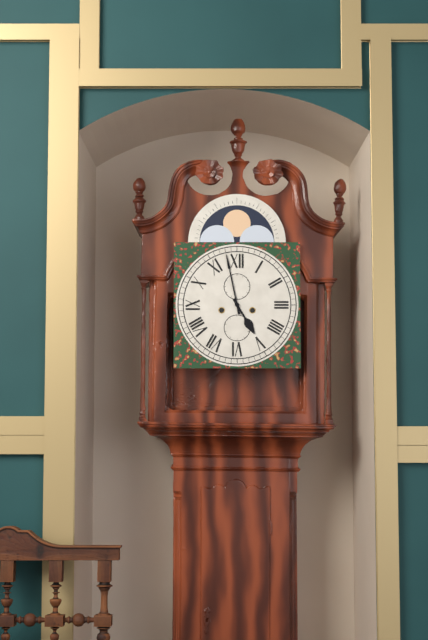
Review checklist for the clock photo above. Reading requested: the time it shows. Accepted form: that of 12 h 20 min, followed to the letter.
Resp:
4 h 58 min
